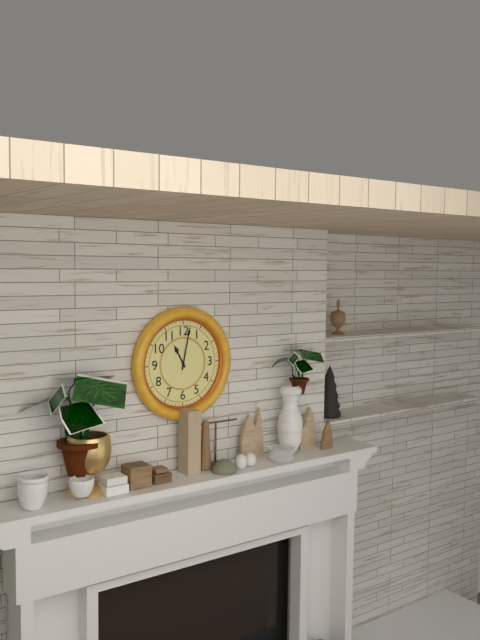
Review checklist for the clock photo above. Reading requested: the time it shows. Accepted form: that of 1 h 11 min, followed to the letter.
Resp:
11 h 02 min
